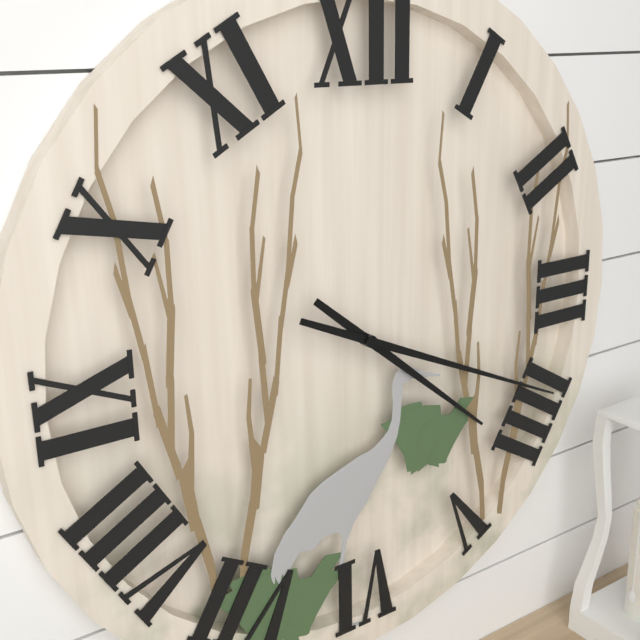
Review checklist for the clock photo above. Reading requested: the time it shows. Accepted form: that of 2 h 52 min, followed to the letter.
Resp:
4 h 19 min
